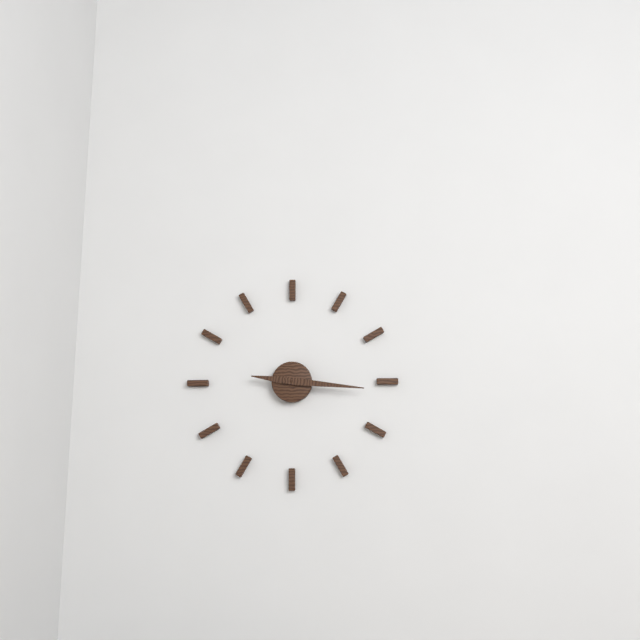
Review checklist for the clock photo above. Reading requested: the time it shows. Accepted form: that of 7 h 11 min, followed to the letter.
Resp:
9 h 16 min
